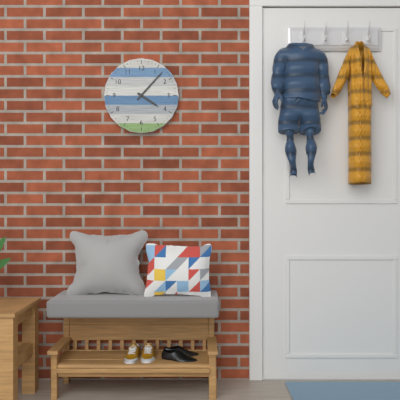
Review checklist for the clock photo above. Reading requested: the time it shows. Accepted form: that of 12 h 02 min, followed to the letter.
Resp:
4 h 07 min
